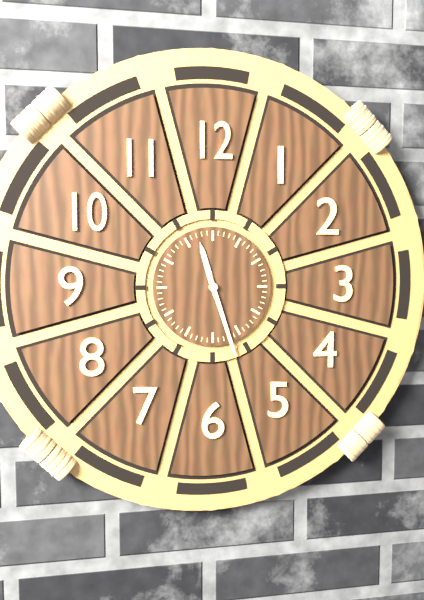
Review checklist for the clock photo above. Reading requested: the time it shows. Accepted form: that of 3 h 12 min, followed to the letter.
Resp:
11 h 27 min
